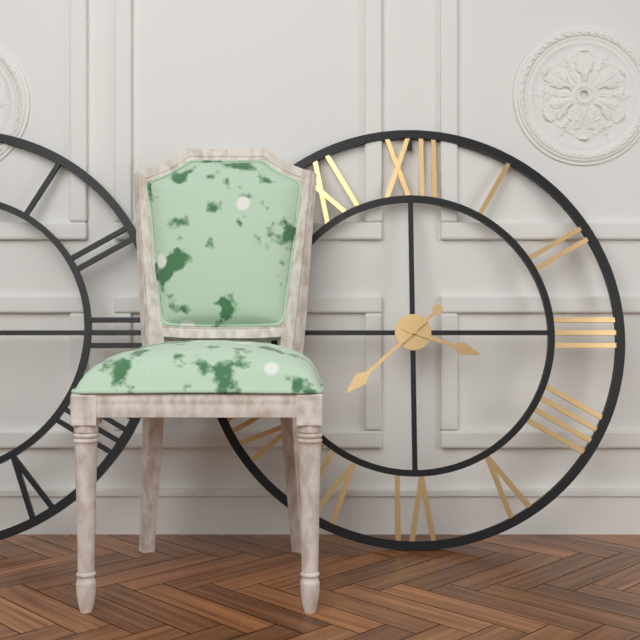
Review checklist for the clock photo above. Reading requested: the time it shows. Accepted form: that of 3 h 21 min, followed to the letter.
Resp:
3 h 38 min
